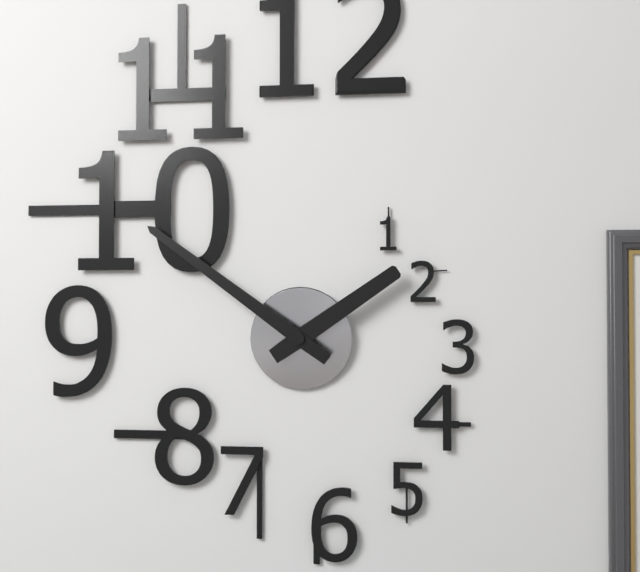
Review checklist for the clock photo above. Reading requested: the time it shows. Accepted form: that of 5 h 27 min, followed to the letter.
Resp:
1 h 51 min
